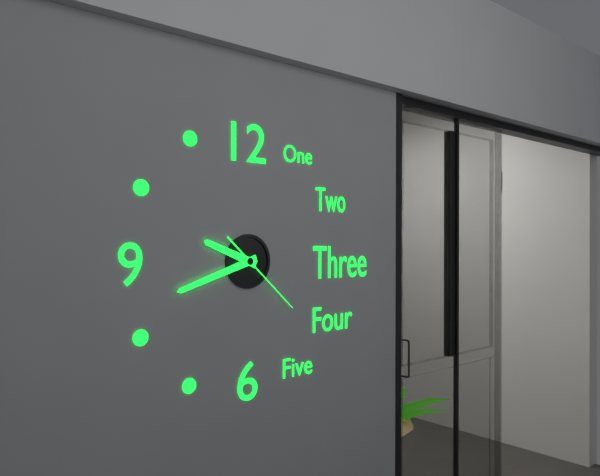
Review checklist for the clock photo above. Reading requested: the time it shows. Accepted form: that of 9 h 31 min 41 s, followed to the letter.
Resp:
9 h 42 min 22 s
